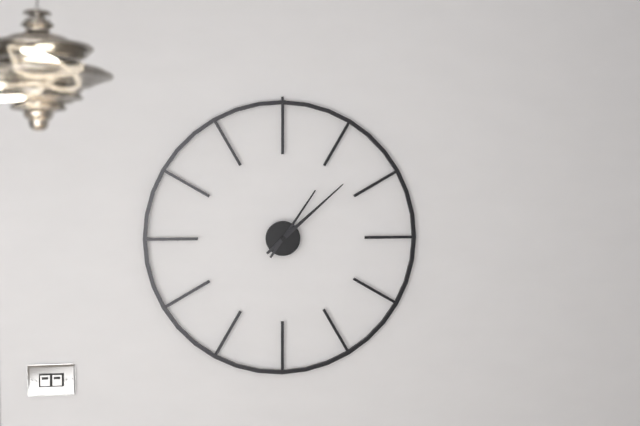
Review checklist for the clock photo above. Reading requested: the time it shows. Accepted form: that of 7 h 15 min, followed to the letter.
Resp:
1 h 08 min
